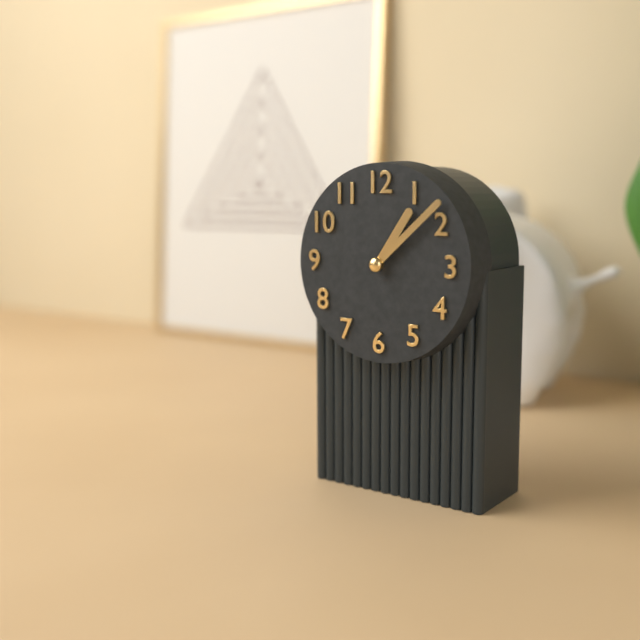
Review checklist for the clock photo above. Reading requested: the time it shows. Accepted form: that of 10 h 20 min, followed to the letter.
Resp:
1 h 08 min
